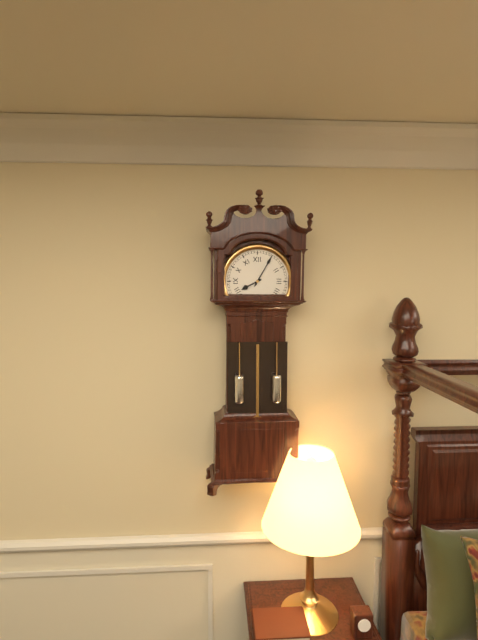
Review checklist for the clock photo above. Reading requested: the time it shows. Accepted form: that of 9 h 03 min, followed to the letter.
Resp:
8 h 05 min
